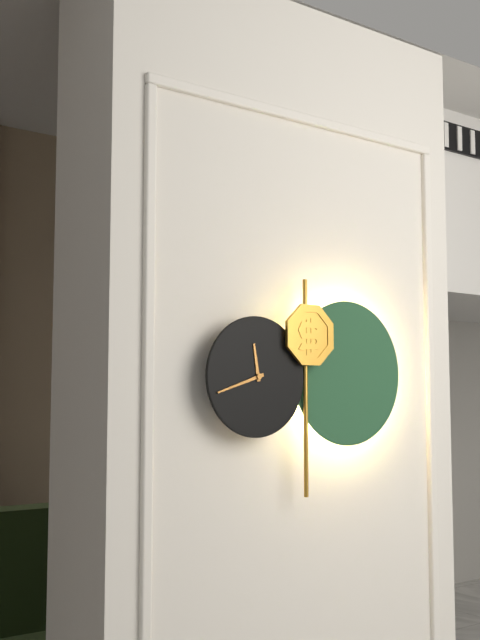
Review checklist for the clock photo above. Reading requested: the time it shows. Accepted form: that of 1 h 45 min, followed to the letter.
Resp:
11 h 42 min
